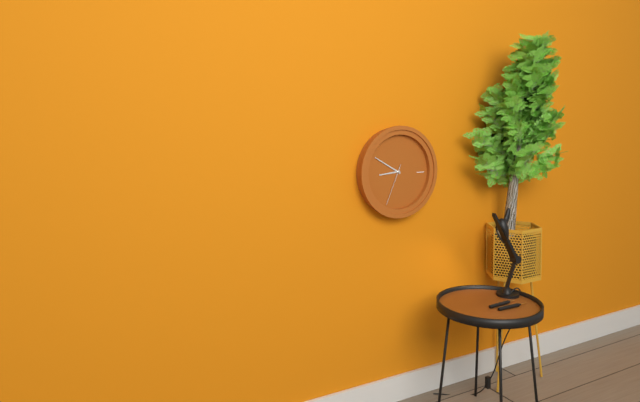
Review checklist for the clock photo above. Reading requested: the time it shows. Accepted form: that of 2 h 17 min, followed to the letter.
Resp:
8 h 50 min
